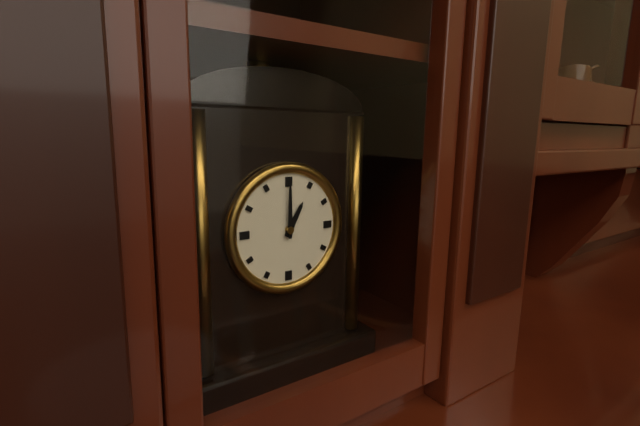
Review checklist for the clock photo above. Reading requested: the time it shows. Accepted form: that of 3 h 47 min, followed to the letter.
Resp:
1 h 00 min
